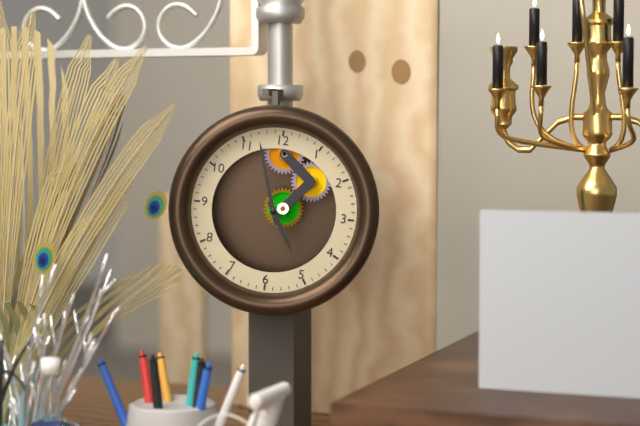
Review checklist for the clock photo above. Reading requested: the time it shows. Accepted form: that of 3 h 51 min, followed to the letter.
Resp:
4 h 57 min
